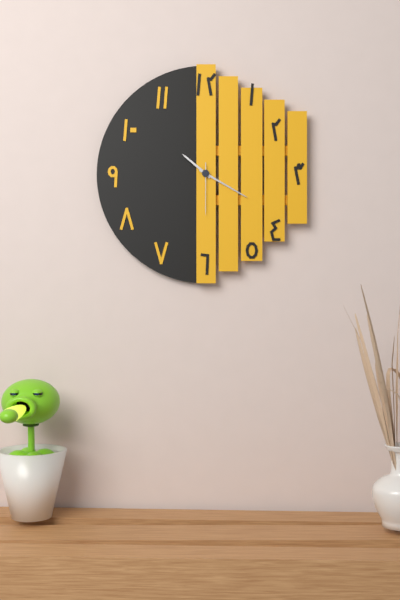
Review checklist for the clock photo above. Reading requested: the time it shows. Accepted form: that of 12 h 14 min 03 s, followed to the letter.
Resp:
10 h 20 min 30 s
